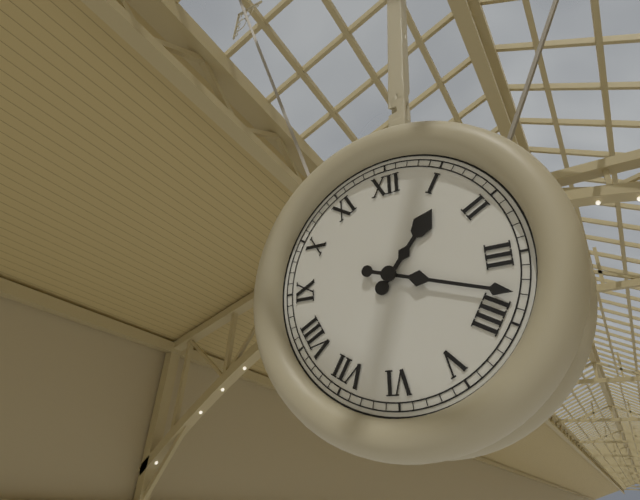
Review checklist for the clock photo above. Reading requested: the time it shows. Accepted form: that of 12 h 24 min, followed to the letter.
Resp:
1 h 18 min
